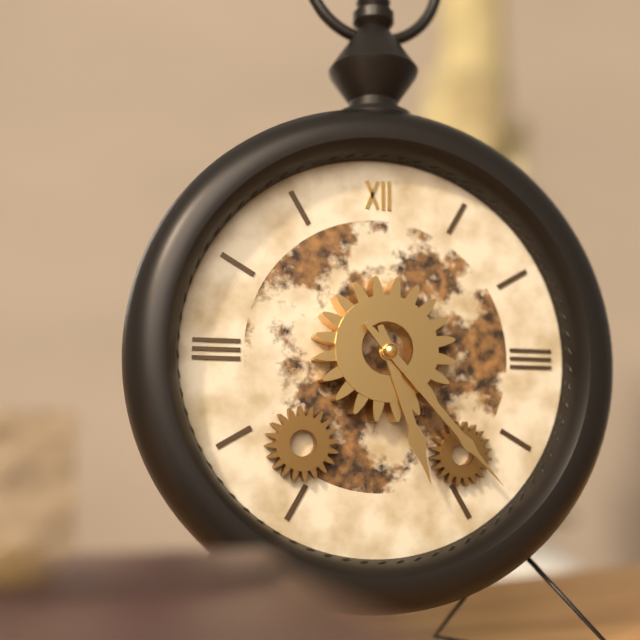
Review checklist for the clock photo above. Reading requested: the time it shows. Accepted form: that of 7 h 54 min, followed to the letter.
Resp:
5 h 23 min
